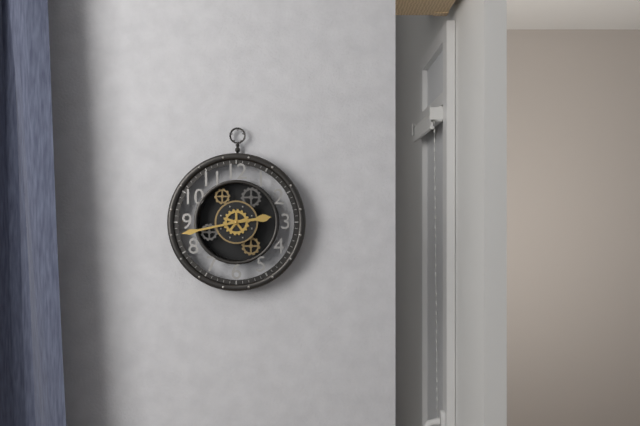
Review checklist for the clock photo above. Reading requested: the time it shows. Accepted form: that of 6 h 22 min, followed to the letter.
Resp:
2 h 43 min
